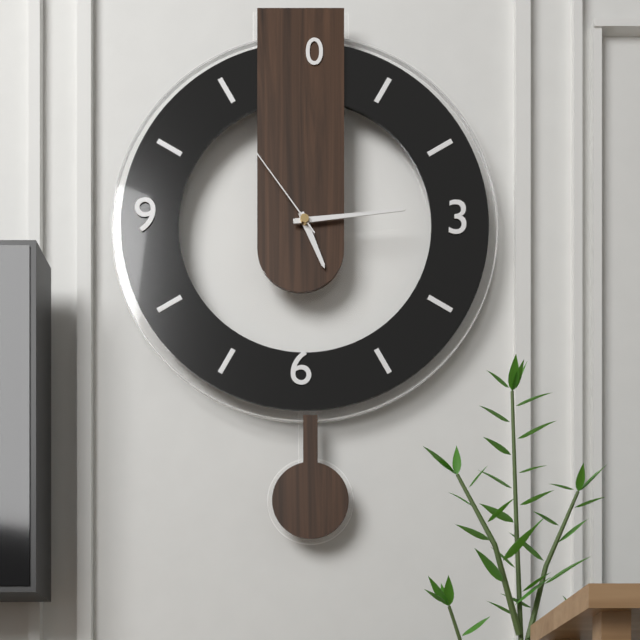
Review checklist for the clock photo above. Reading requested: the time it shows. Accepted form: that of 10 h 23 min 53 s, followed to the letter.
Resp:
5 h 14 min 54 s
